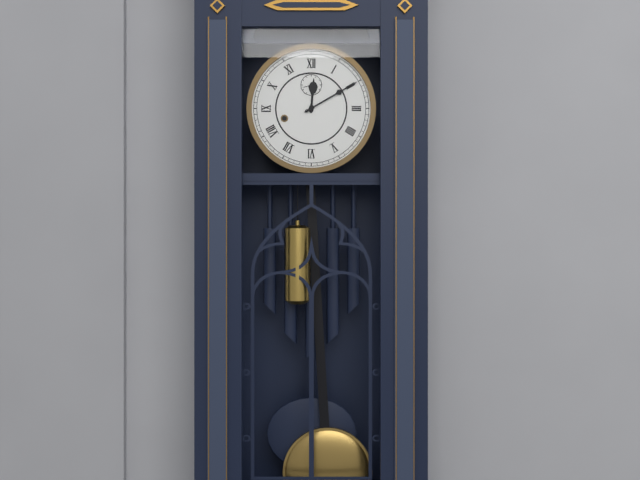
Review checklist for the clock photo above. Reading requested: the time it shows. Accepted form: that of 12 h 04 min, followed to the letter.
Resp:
12 h 10 min
